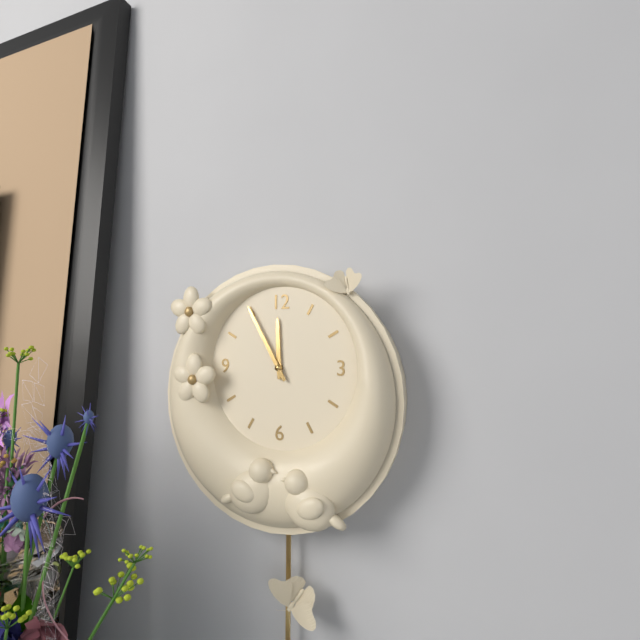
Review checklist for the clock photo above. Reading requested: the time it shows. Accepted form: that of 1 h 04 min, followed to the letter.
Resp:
11 h 55 min
